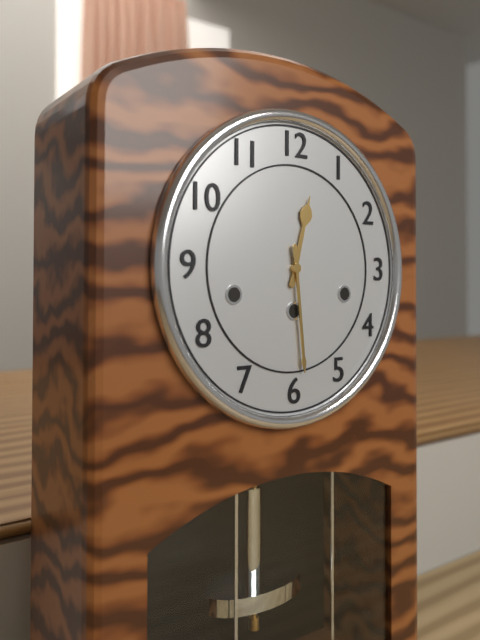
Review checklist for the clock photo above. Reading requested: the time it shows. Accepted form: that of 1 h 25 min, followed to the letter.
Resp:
12 h 29 min
